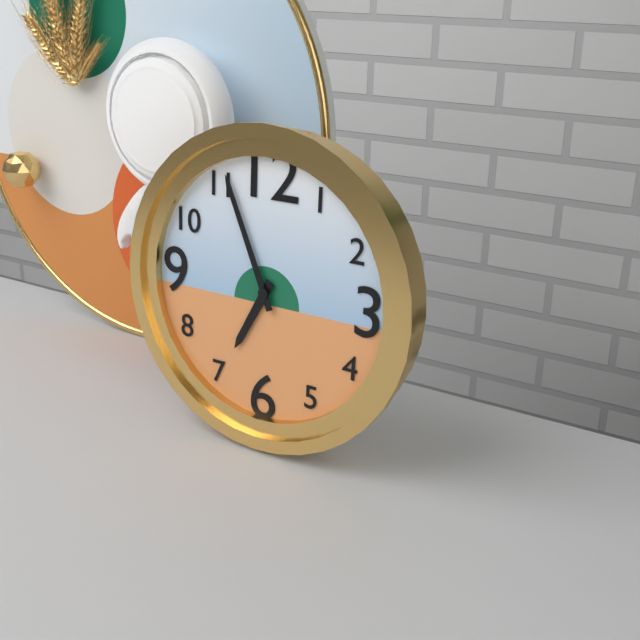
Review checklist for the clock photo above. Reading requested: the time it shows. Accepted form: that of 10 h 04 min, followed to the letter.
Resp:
6 h 56 min
